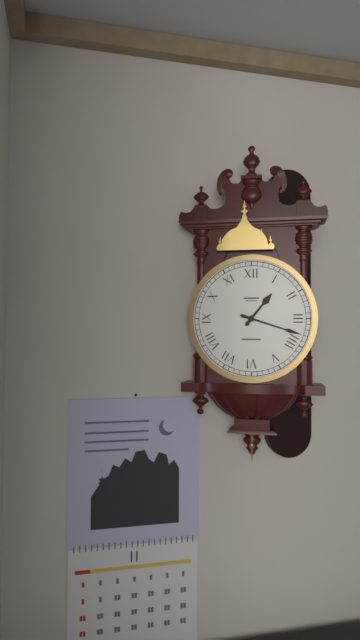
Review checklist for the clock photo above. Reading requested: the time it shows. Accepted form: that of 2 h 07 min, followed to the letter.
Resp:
1 h 18 min
